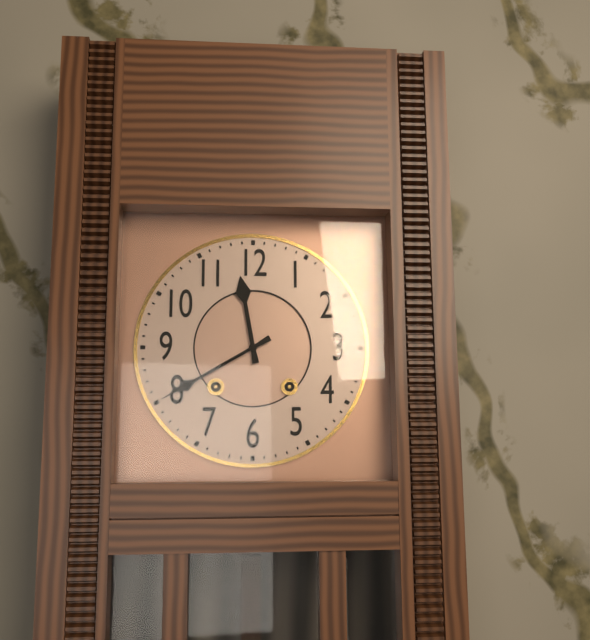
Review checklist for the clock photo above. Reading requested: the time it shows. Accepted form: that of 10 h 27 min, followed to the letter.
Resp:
11 h 40 min
